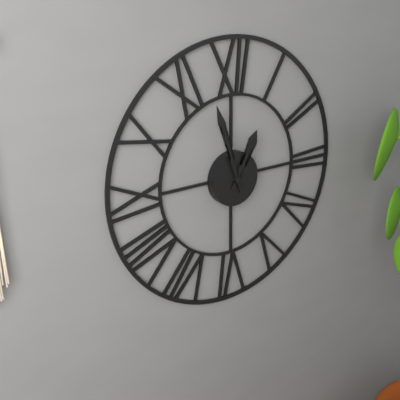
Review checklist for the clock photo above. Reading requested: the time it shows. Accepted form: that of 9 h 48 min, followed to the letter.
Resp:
12 h 57 min
